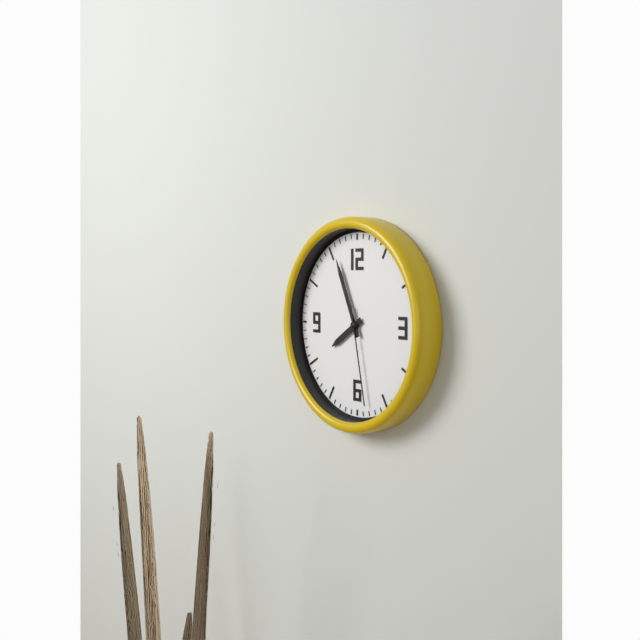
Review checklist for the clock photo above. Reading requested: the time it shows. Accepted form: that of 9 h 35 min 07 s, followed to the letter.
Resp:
7 h 56 min 28 s
